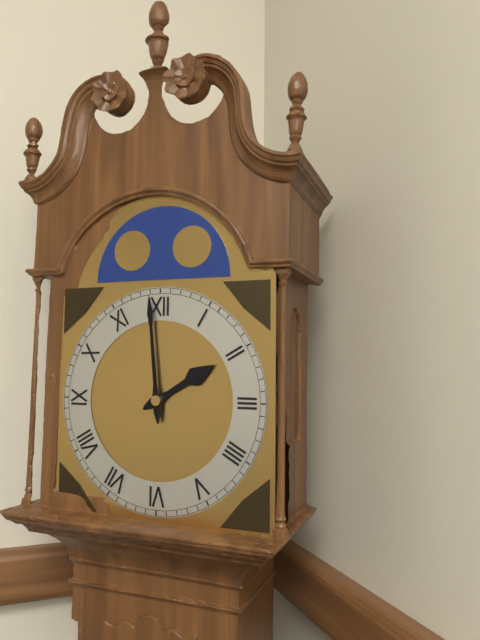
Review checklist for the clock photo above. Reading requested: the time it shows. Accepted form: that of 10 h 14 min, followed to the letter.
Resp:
1 h 59 min
